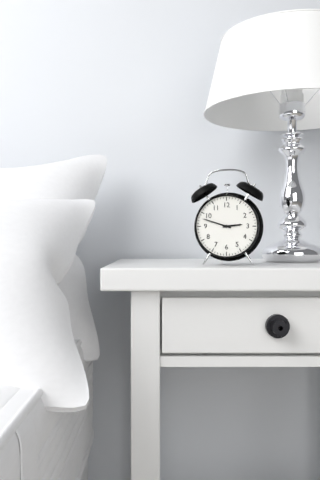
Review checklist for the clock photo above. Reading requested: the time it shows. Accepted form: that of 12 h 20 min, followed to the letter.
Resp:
2 h 48 min
